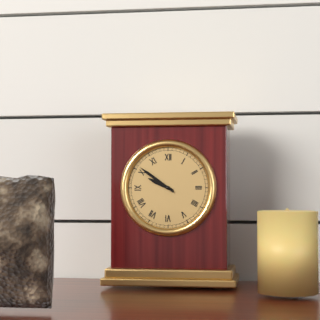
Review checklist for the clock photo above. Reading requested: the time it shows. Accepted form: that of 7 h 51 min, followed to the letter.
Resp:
9 h 51 min
